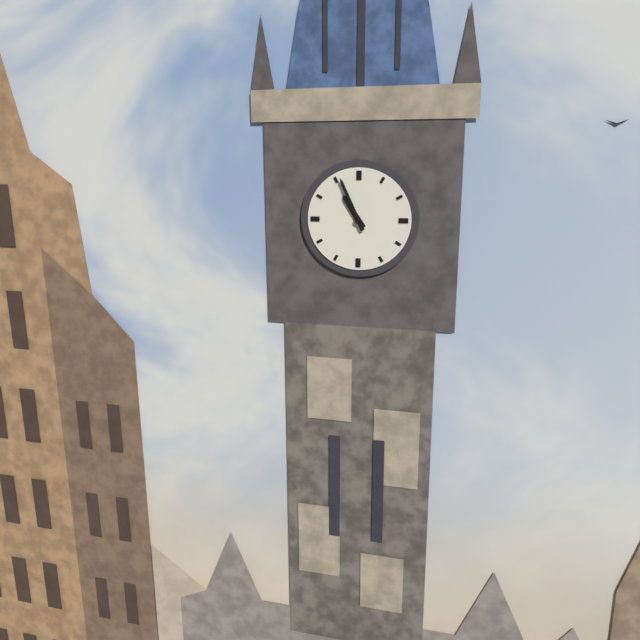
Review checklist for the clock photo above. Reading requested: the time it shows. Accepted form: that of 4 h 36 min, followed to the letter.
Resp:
10 h 56 min
